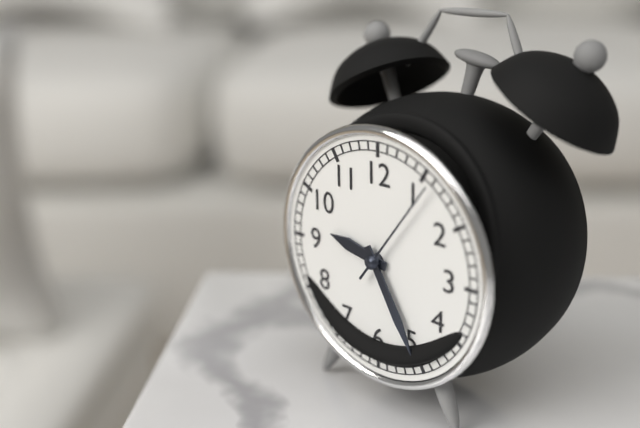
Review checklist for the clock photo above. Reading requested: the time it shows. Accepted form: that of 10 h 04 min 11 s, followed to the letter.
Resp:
9 h 25 min 06 s
